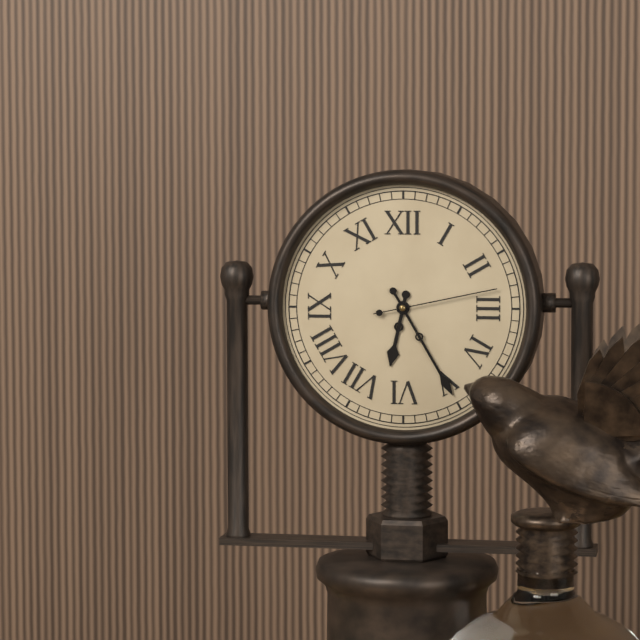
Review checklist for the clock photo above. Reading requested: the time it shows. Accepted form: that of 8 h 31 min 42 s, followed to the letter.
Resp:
6 h 25 min 13 s
